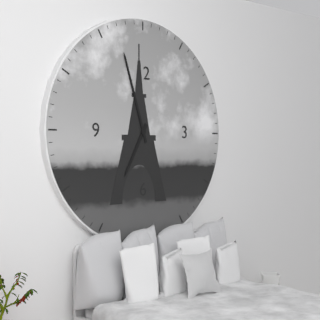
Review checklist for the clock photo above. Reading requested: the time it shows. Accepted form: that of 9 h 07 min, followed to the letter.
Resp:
6 h 57 min
